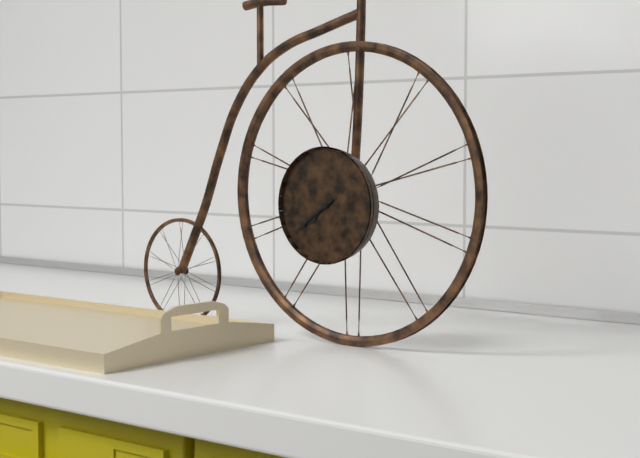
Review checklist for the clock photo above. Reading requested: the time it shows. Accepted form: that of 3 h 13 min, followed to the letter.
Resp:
7 h 39 min
